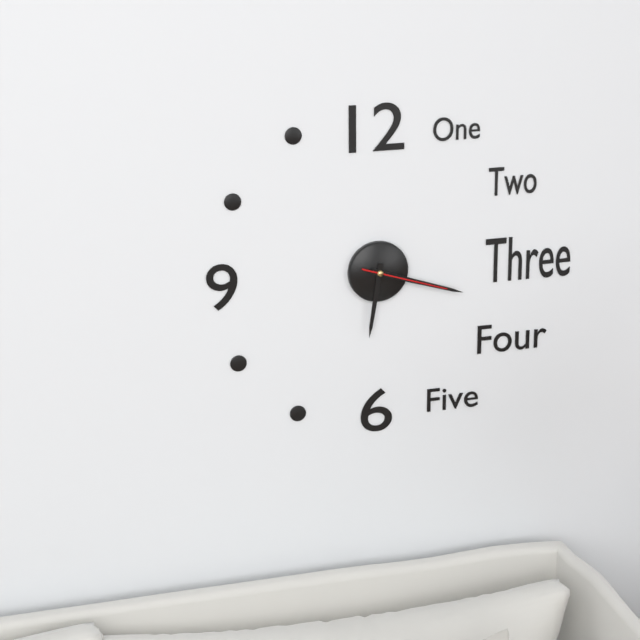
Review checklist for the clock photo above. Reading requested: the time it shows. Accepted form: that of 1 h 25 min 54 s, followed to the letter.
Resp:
6 h 18 min 18 s
